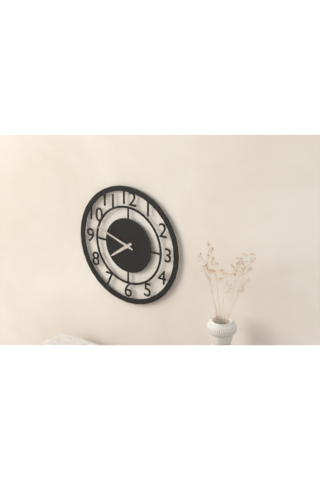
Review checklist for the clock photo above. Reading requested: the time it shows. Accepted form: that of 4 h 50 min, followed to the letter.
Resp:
7 h 48 min
